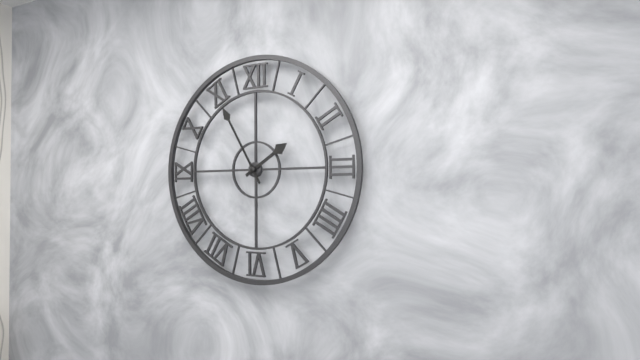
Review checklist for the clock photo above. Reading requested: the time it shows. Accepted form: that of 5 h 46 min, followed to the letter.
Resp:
1 h 55 min
